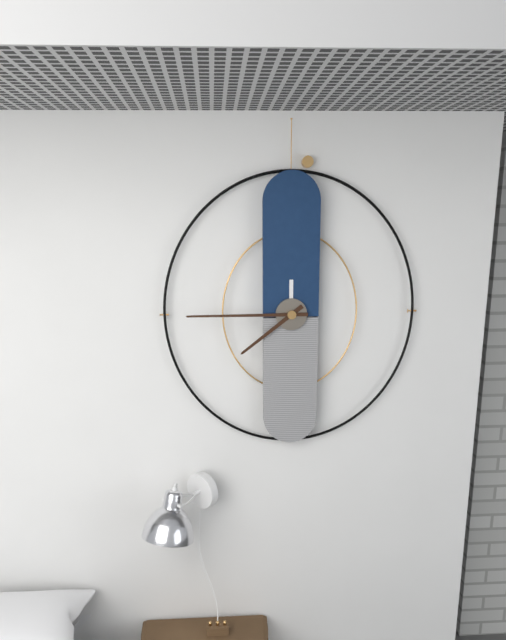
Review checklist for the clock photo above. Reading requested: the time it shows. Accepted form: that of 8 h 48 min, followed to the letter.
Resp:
7 h 45 min
